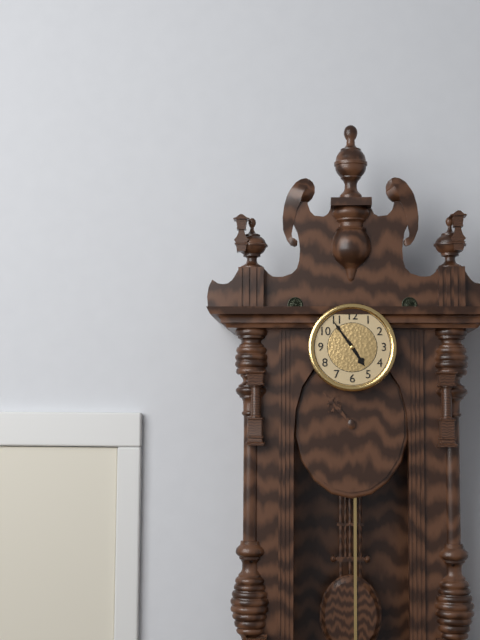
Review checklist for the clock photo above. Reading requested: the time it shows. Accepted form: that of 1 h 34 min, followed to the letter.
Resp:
4 h 54 min
